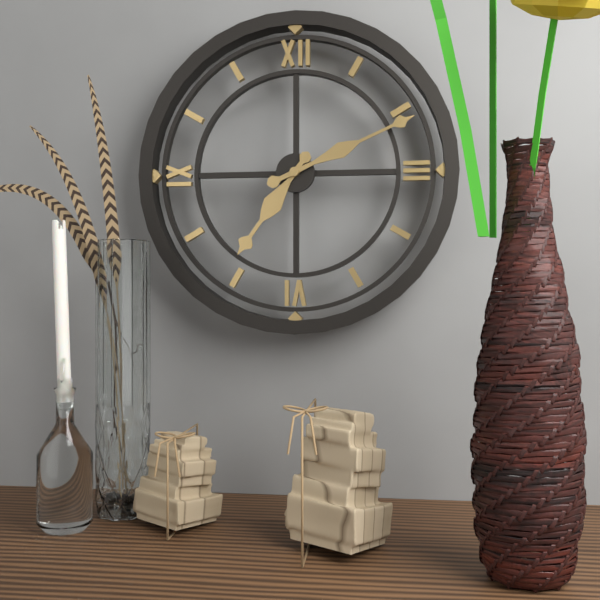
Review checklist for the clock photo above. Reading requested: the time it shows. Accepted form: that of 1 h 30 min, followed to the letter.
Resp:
7 h 11 min
